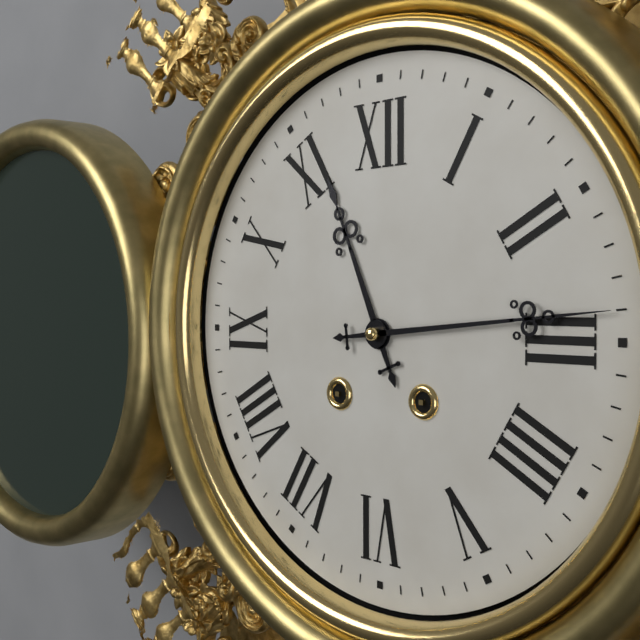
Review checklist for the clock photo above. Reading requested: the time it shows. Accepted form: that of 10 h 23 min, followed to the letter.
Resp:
11 h 14 min
